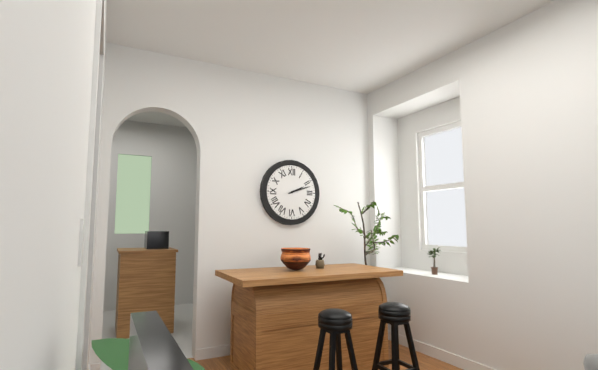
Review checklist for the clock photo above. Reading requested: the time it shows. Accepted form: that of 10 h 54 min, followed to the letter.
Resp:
2 h 12 min
